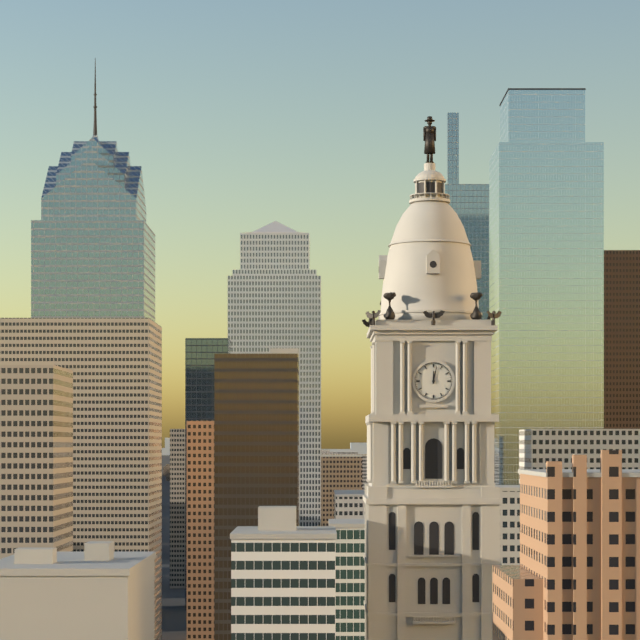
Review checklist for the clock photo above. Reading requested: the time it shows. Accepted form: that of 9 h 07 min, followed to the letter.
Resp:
12 h 02 min
